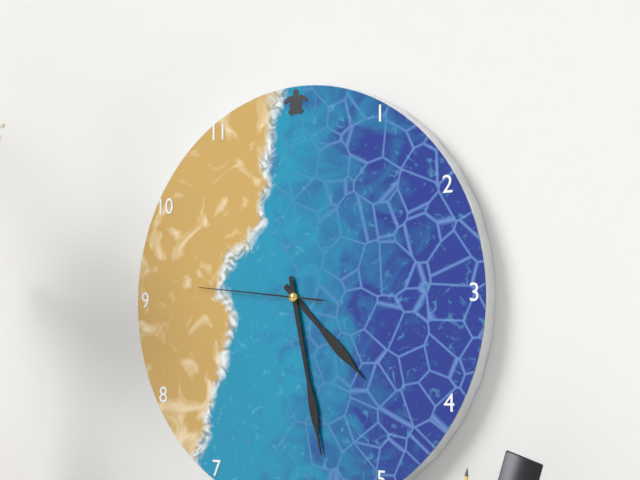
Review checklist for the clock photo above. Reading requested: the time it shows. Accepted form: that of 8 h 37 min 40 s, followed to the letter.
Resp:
4 h 28 min 46 s
